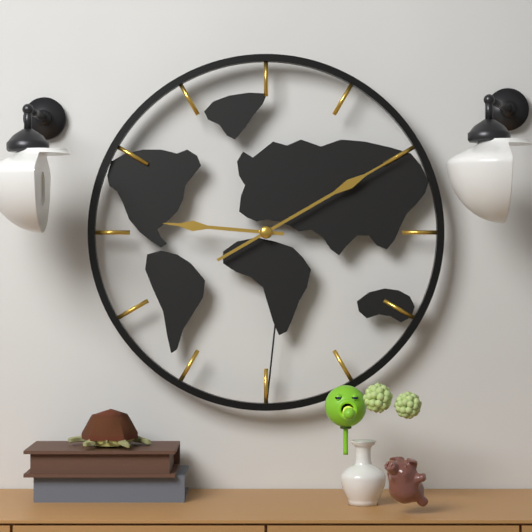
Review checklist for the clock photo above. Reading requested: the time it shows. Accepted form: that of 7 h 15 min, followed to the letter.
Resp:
9 h 10 min
